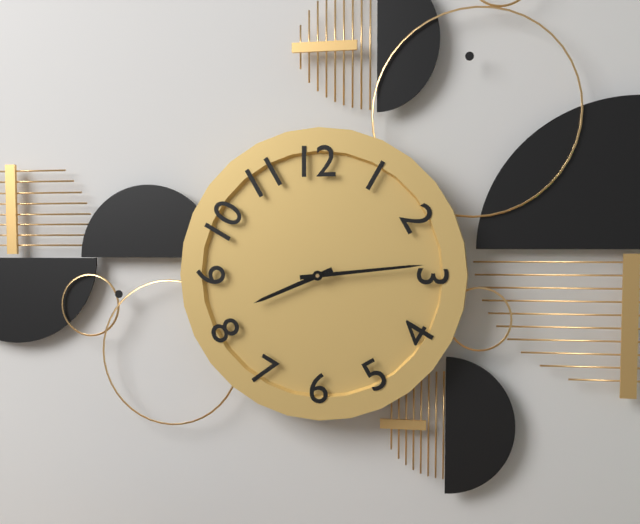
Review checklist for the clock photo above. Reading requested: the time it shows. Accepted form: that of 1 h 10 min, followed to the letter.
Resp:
8 h 14 min
